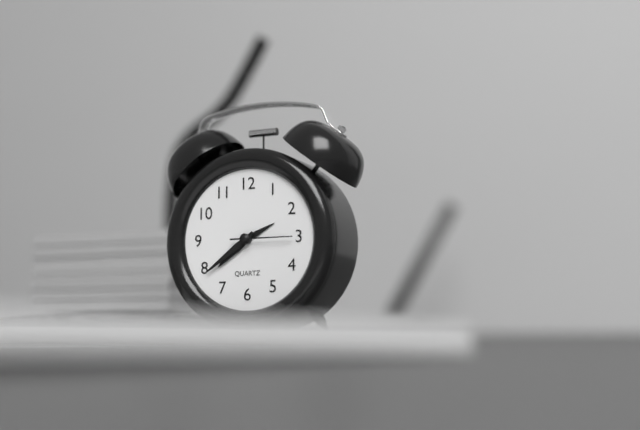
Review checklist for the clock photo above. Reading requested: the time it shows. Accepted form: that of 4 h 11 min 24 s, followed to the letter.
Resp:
7 h 39 min 15 s
